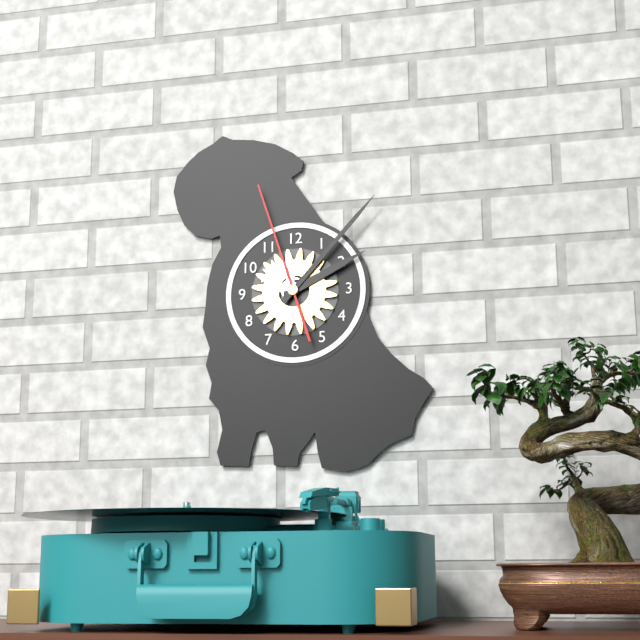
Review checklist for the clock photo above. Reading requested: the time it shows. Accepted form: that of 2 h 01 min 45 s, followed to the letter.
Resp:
2 h 07 min 57 s
